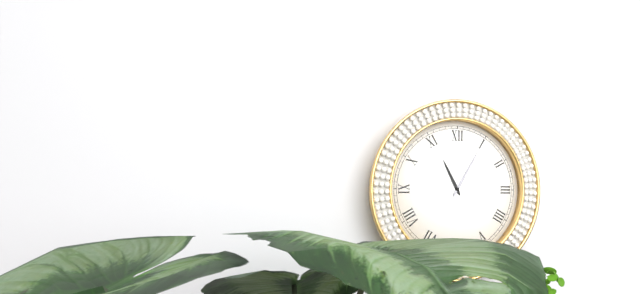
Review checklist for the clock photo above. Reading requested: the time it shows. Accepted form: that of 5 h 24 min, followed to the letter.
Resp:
11 h 05 min
